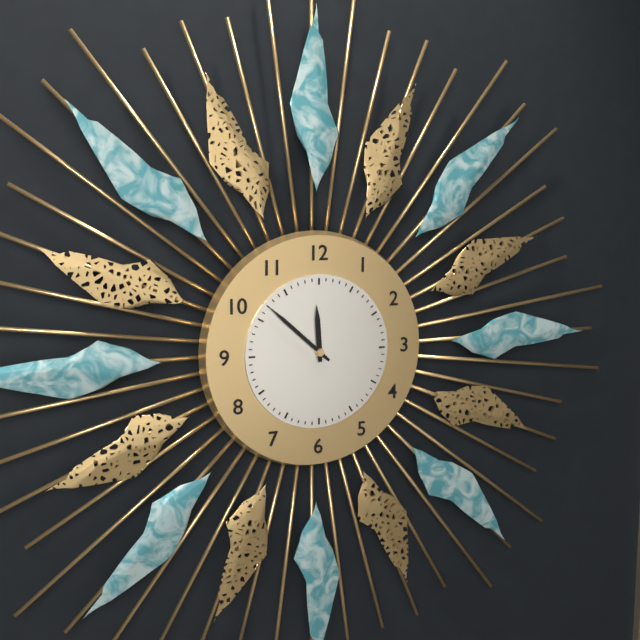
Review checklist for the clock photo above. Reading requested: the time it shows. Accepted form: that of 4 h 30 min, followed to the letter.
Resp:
11 h 52 min
